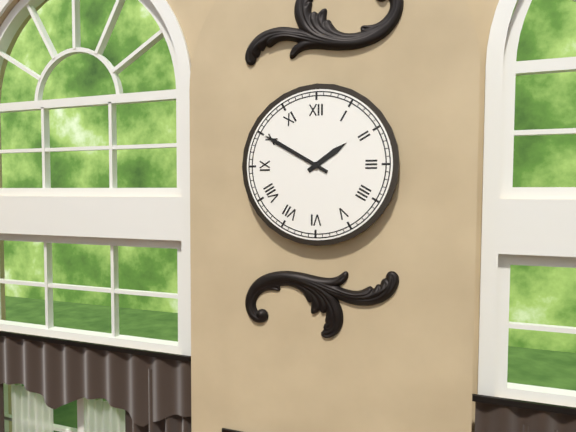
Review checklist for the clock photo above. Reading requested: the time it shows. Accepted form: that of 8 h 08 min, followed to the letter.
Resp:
1 h 50 min
